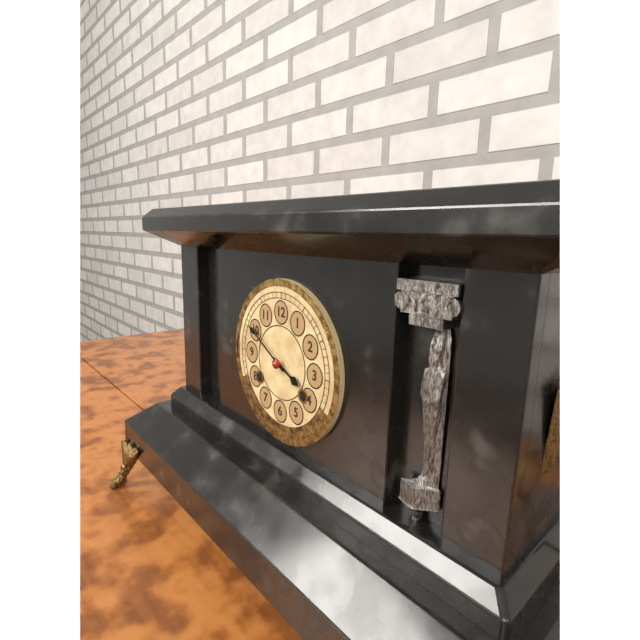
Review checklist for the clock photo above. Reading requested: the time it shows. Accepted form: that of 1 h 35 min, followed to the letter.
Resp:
3 h 50 min
